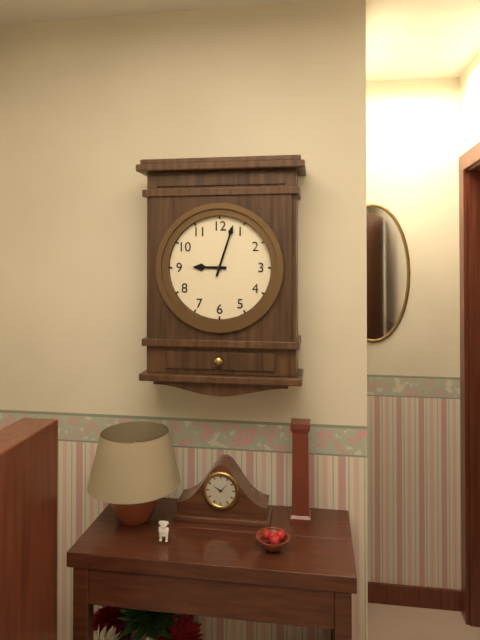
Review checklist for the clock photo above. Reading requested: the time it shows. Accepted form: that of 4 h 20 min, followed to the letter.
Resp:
9 h 03 min
